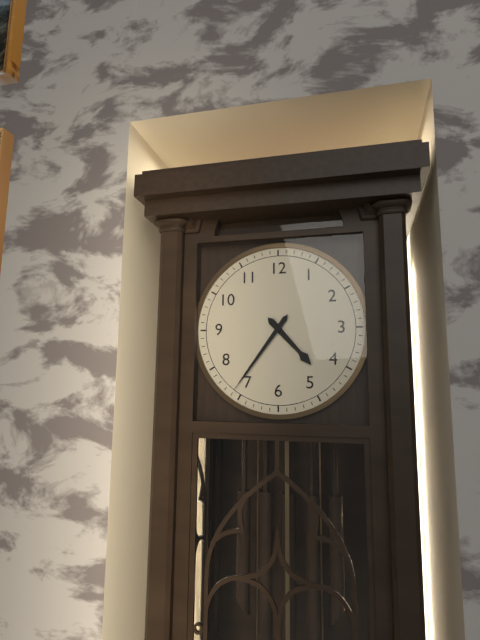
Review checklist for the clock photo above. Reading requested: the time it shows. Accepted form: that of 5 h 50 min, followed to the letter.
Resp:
4 h 36 min
